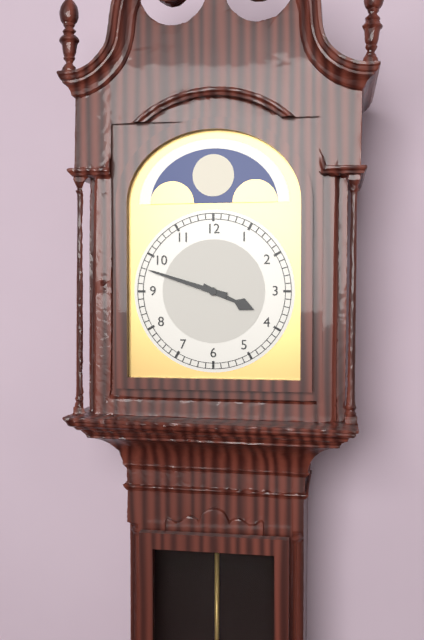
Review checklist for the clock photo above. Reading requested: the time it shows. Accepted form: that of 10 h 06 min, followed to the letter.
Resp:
3 h 48 min
